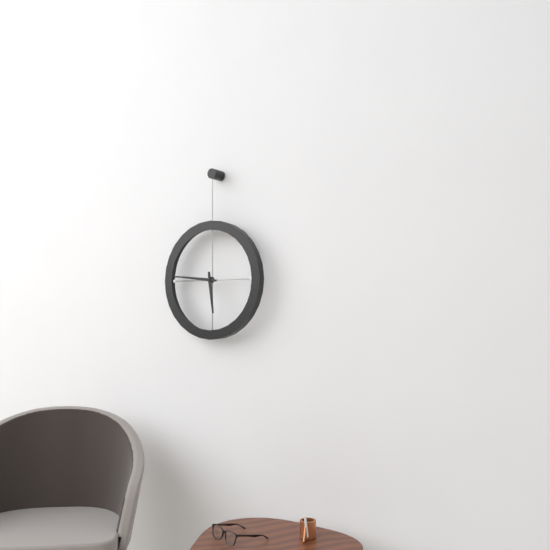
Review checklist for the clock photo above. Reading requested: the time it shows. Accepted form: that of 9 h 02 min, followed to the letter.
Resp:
5 h 46 min
